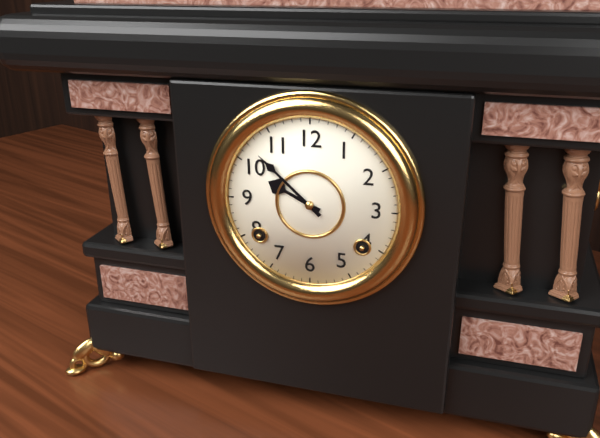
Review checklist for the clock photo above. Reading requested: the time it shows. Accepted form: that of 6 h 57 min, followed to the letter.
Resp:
9 h 52 min
